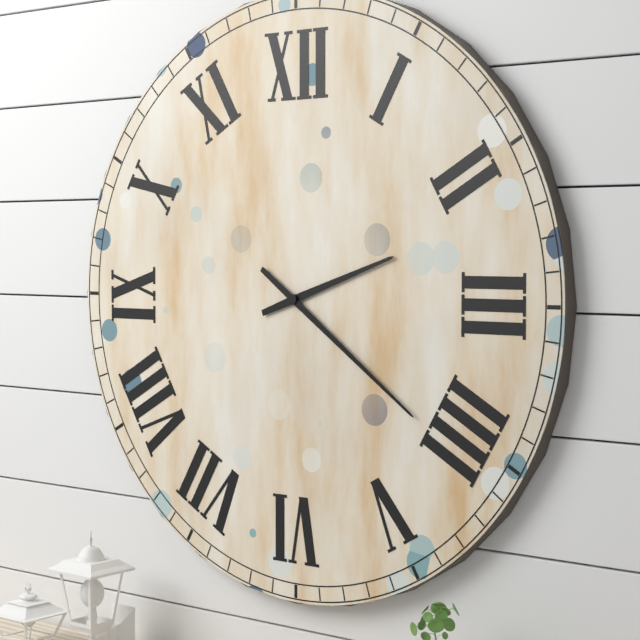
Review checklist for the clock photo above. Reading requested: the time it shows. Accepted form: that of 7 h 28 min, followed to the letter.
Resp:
2 h 21 min
